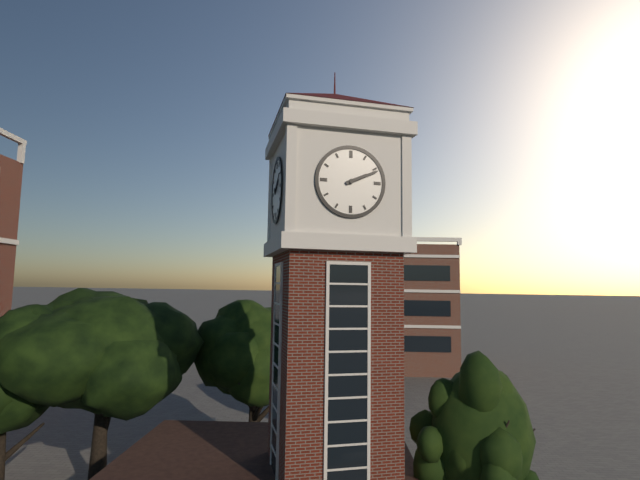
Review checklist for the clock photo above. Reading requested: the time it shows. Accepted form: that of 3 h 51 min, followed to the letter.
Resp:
2 h 11 min
